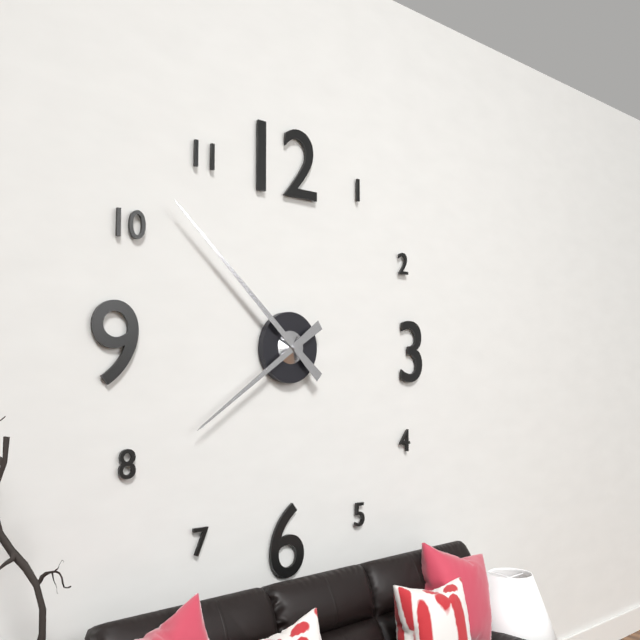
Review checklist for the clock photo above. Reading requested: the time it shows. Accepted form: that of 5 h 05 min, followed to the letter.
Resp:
7 h 52 min
